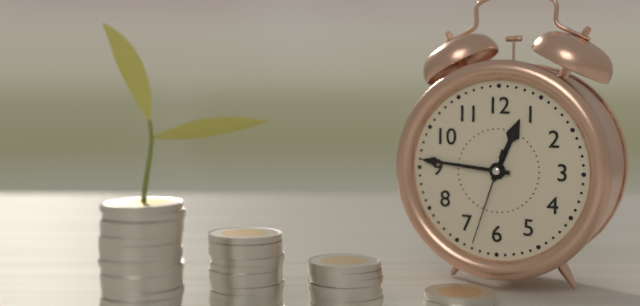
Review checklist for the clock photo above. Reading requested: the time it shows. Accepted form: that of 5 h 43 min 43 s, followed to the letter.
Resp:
12 h 46 min 33 s
